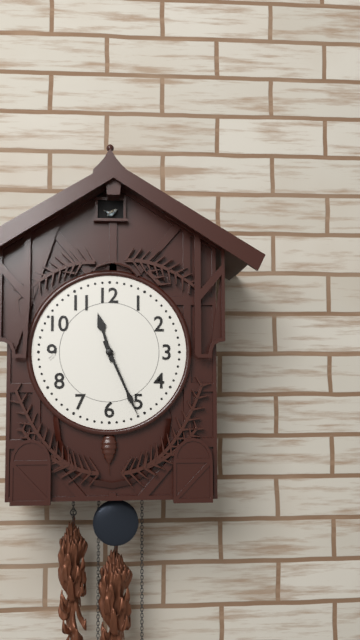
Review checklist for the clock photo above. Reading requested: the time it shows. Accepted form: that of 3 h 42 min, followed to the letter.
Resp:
11 h 26 min
